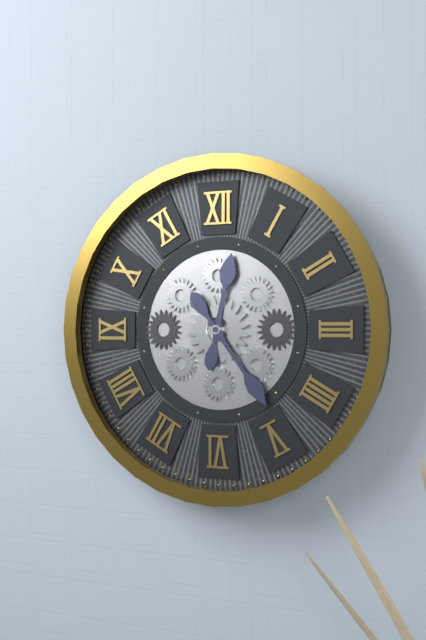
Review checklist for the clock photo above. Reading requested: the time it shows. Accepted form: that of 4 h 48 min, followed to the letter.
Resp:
12 h 24 min
